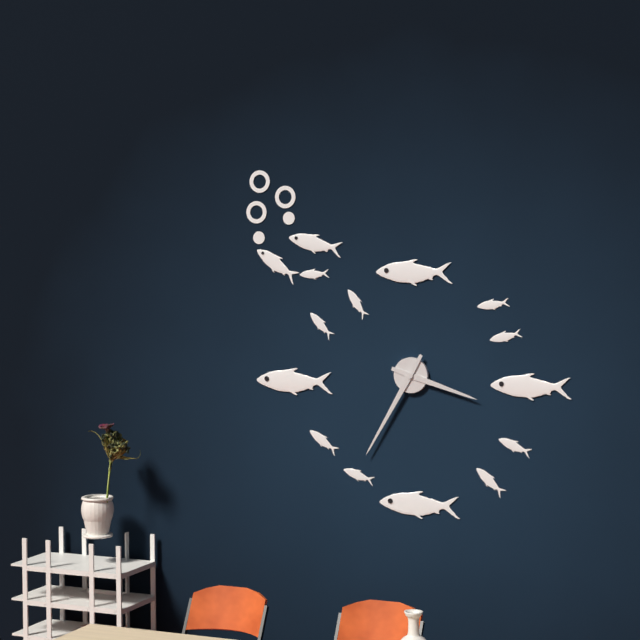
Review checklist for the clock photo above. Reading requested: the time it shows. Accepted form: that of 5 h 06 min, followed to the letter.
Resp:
3 h 35 min
